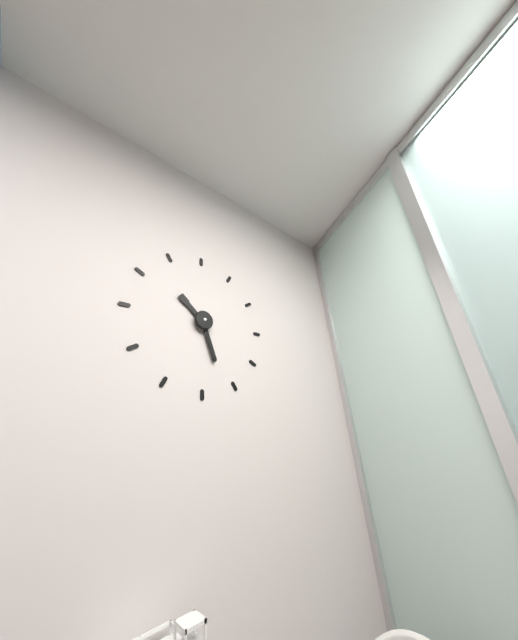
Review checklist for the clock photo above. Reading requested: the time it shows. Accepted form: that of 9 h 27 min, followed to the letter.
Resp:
10 h 27 min
